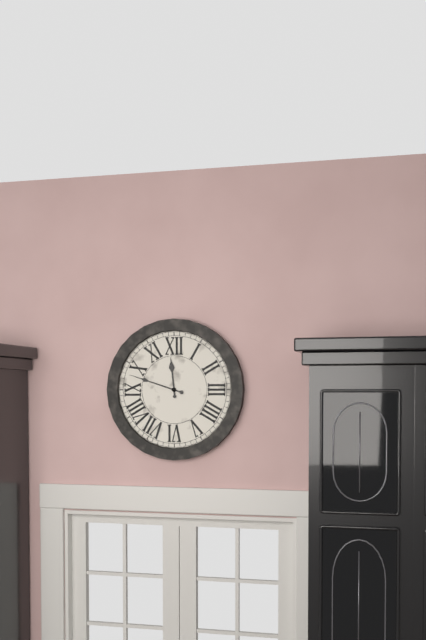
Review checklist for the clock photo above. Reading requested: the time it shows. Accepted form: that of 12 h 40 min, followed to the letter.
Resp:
11 h 48 min
